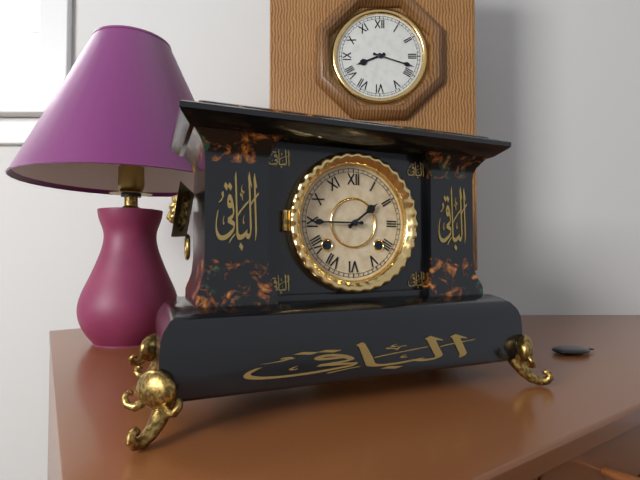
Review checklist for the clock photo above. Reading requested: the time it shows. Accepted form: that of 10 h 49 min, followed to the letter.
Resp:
1 h 45 min
